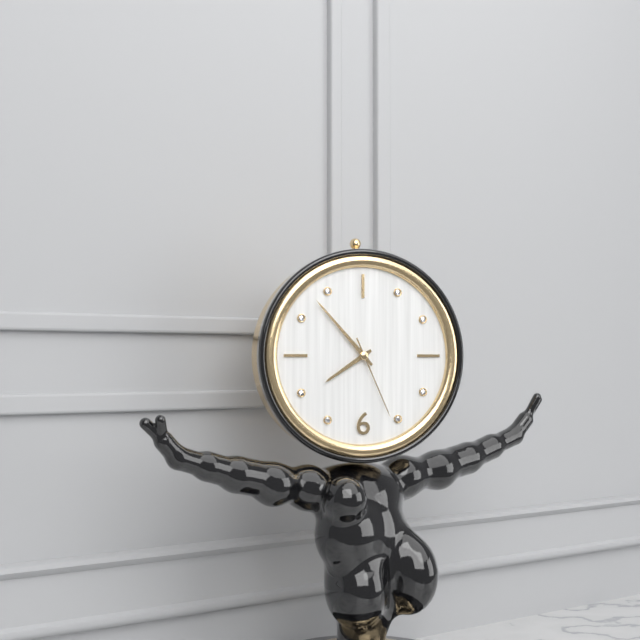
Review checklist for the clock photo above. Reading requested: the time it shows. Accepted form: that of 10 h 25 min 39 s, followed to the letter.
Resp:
7 h 53 min 26 s
